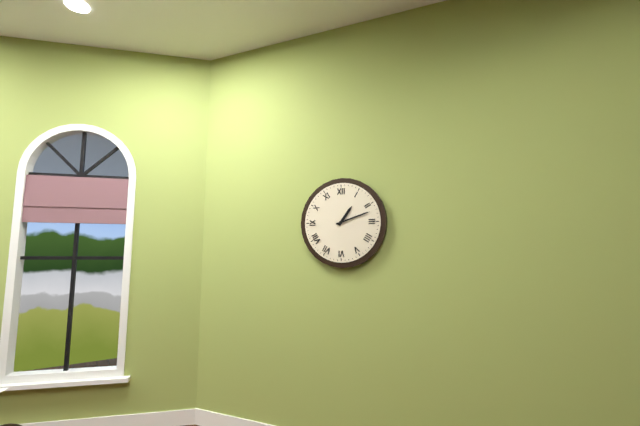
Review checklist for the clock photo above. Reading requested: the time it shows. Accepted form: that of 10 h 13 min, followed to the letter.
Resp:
1 h 12 min
